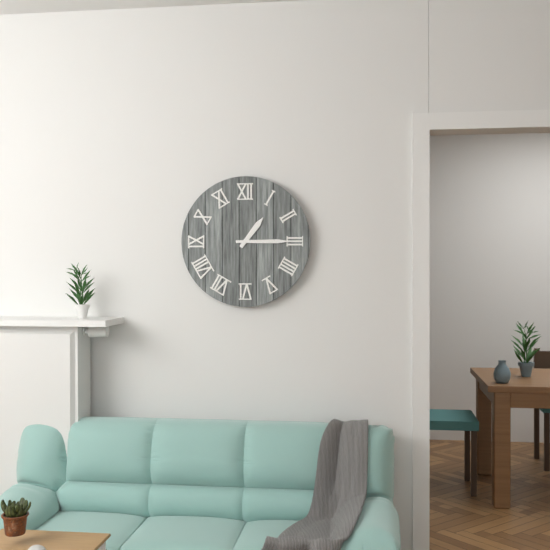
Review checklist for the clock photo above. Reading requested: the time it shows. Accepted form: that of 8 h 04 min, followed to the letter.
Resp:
1 h 15 min
